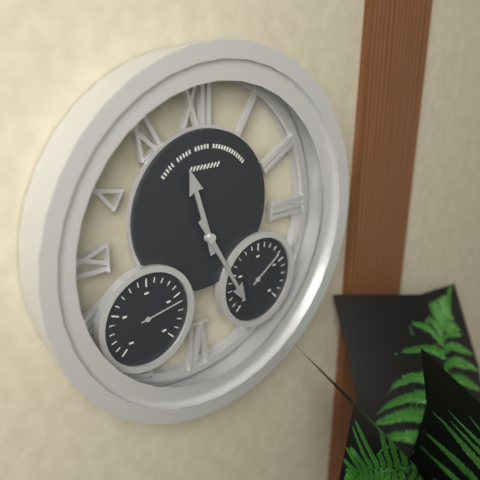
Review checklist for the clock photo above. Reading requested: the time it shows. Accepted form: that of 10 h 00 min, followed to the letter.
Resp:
11 h 25 min
